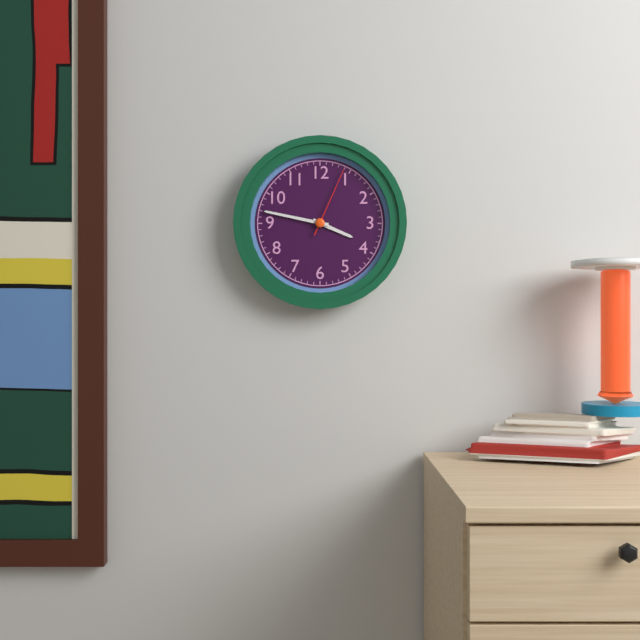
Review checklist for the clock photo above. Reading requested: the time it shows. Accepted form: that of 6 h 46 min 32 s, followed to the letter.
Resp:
3 h 47 min 04 s
